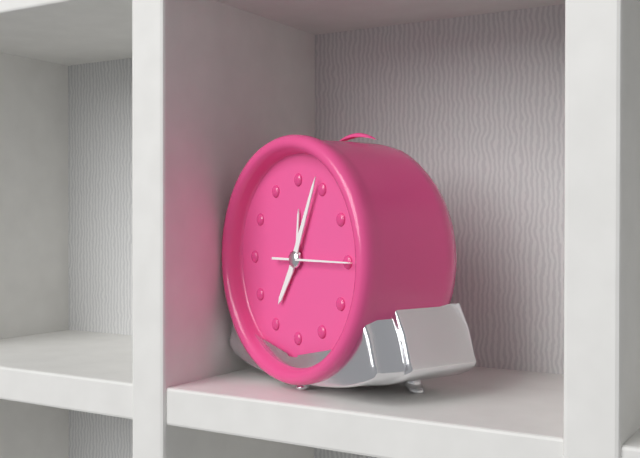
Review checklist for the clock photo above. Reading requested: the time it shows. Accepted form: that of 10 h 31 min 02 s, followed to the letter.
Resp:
7 h 04 min 15 s
